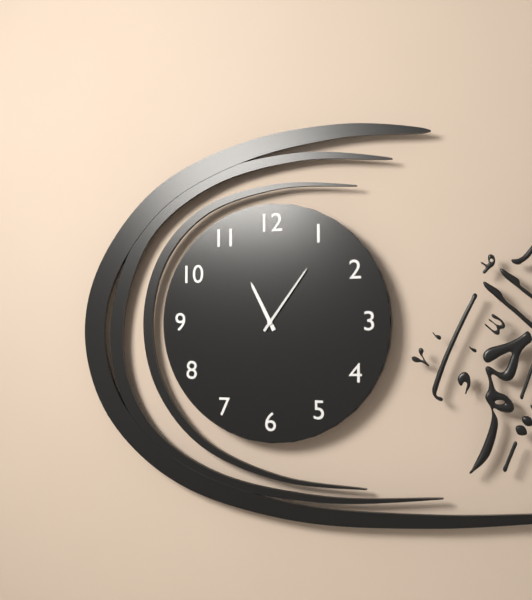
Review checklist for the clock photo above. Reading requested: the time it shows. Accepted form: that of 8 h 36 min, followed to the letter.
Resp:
11 h 06 min
